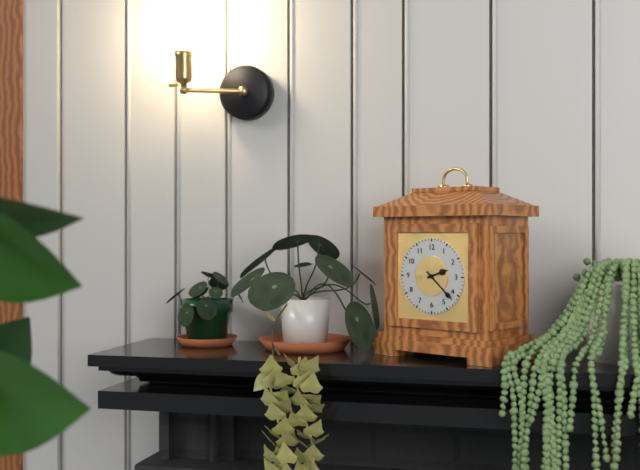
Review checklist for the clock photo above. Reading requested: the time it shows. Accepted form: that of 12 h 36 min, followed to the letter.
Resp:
2 h 22 min
